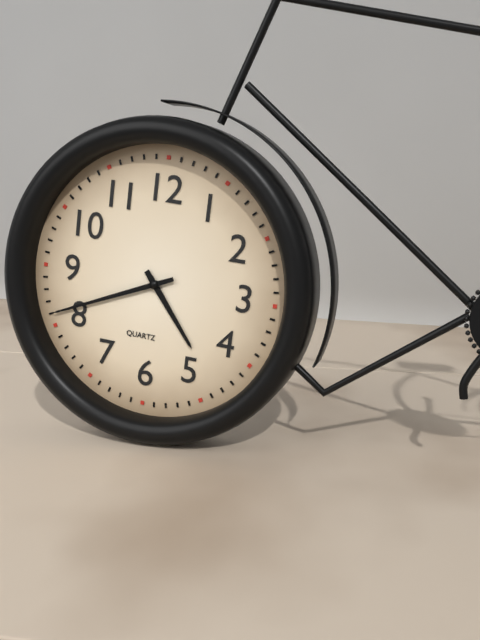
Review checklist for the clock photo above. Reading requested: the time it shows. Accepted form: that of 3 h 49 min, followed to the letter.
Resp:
4 h 41 min
